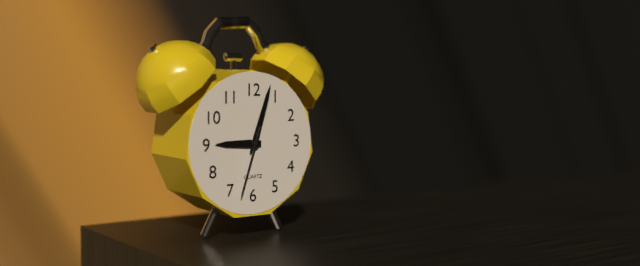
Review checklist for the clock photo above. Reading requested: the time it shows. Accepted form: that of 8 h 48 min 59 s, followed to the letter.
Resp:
9 h 03 min 33 s
